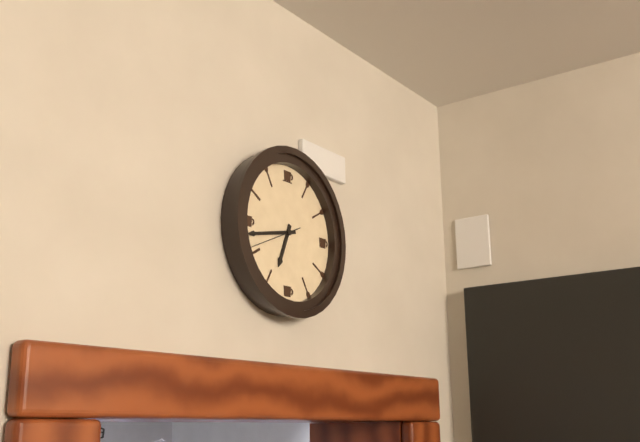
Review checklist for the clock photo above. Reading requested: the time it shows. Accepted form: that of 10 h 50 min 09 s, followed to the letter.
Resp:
6 h 43 min 41 s
